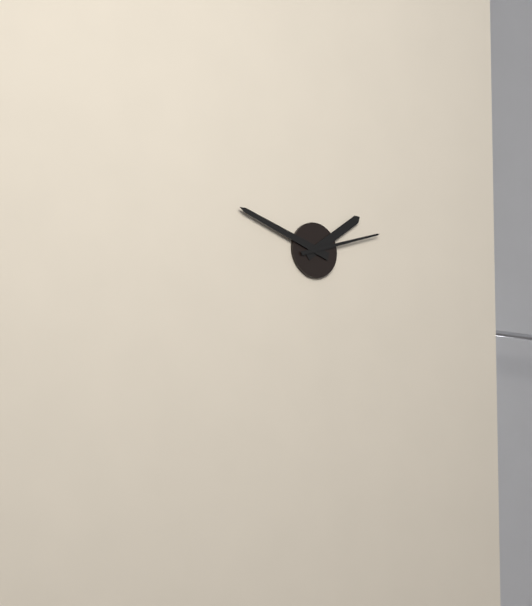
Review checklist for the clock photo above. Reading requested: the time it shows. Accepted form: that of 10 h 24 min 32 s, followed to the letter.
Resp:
1 h 48 min 12 s
